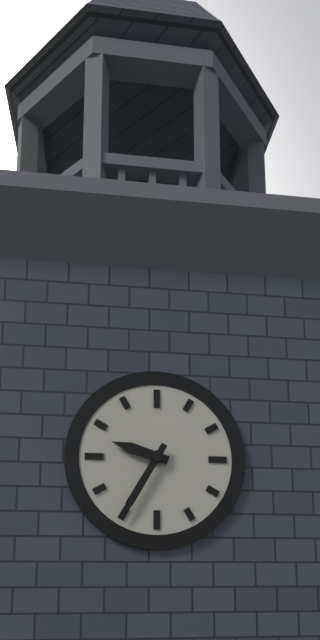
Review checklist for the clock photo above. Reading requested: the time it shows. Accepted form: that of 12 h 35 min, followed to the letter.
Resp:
9 h 35 min
